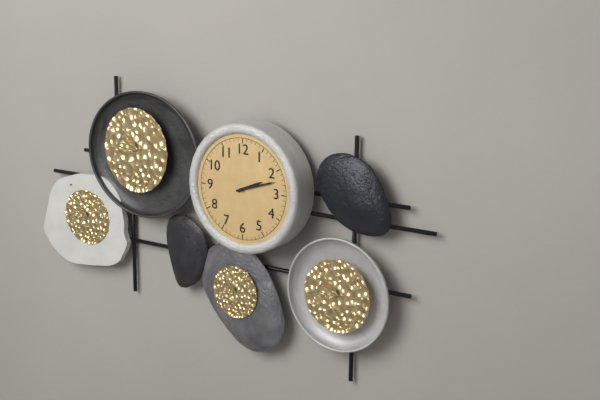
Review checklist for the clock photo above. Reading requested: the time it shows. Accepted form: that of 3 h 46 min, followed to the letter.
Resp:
2 h 12 min
